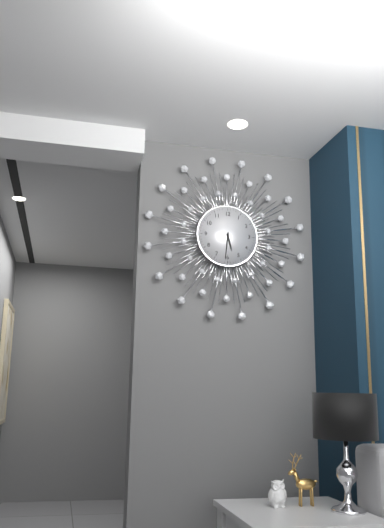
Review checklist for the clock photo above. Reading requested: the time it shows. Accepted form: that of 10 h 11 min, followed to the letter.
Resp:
5 h 31 min
